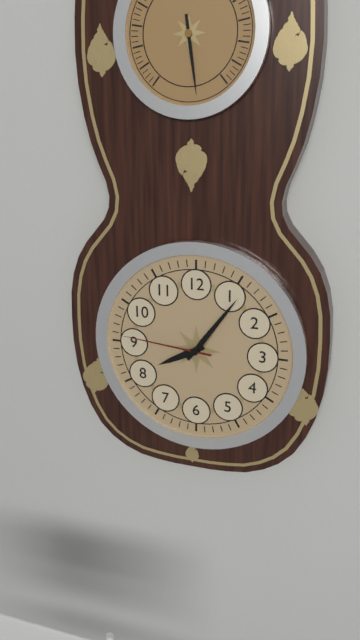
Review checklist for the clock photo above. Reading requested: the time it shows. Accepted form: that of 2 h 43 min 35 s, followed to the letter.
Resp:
8 h 06 min 46 s
